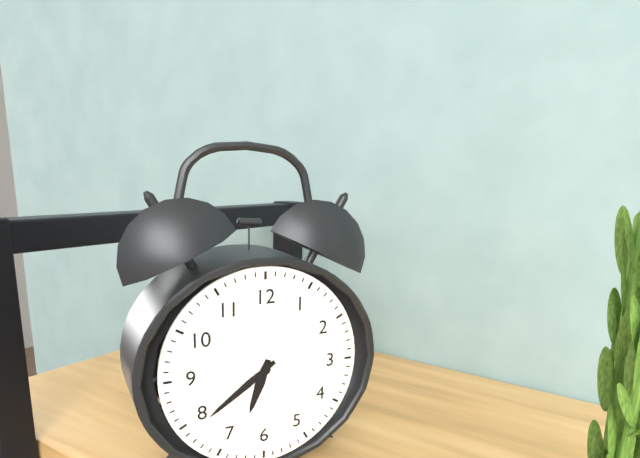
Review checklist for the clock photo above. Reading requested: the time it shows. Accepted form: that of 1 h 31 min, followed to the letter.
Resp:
6 h 39 min
